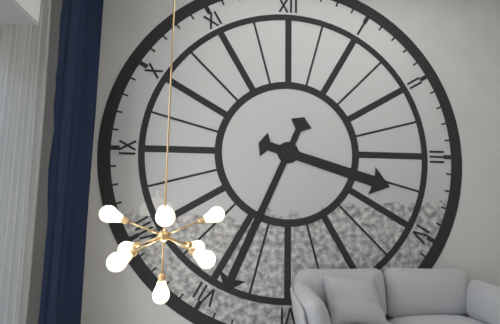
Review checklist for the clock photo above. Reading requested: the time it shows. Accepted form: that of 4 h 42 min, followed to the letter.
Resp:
3 h 34 min
